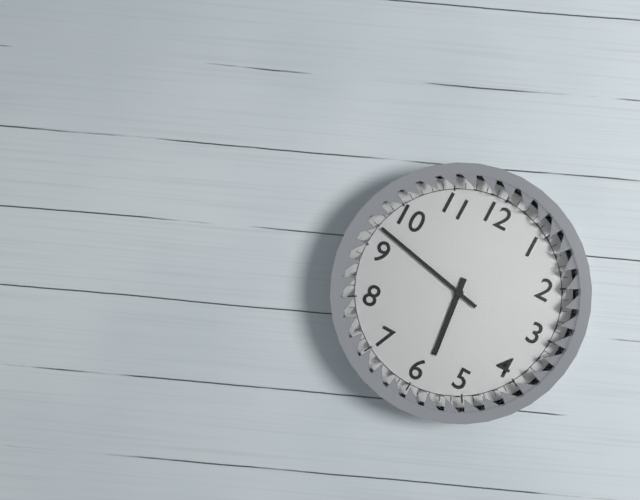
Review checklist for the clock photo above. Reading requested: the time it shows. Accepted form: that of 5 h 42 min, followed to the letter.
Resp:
5 h 47 min
